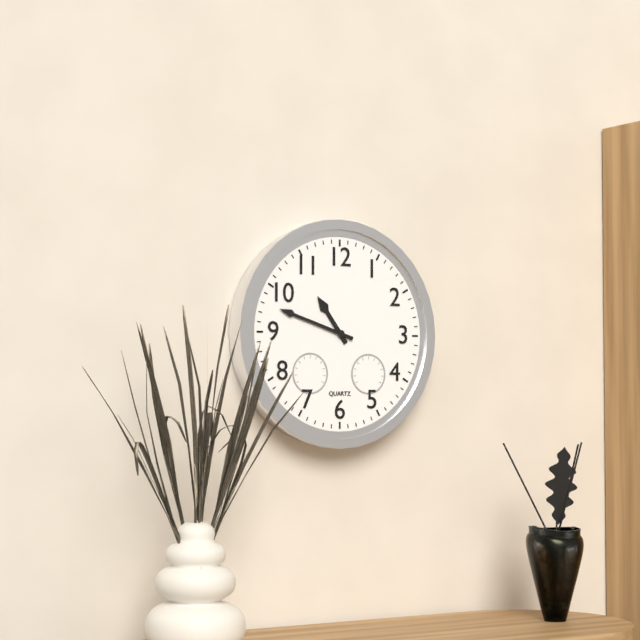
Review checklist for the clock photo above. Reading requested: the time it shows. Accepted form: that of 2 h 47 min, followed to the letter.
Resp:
10 h 48 min
